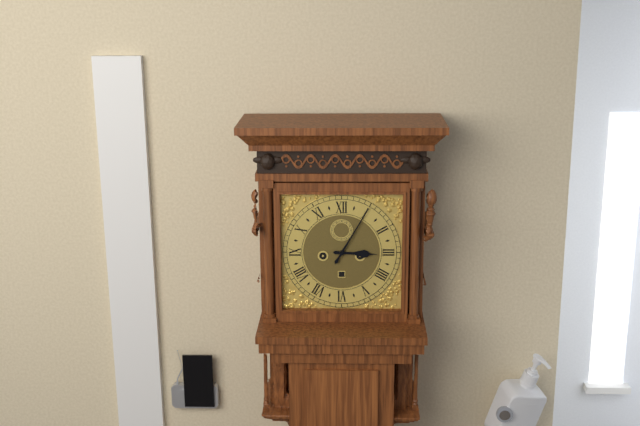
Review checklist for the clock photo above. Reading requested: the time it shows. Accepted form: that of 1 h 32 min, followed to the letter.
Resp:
3 h 05 min
